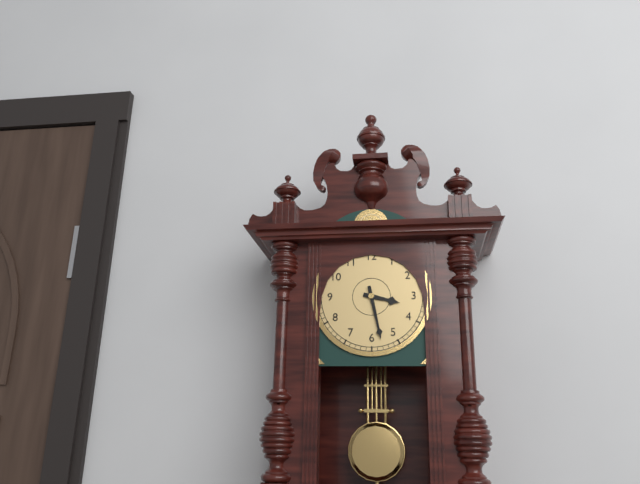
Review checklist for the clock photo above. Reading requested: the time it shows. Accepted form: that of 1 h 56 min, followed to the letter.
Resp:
3 h 28 min
